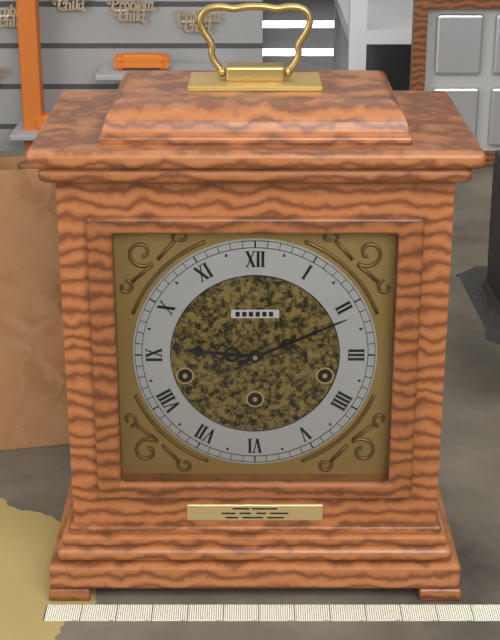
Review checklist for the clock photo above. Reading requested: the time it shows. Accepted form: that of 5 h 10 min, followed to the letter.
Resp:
9 h 11 min
